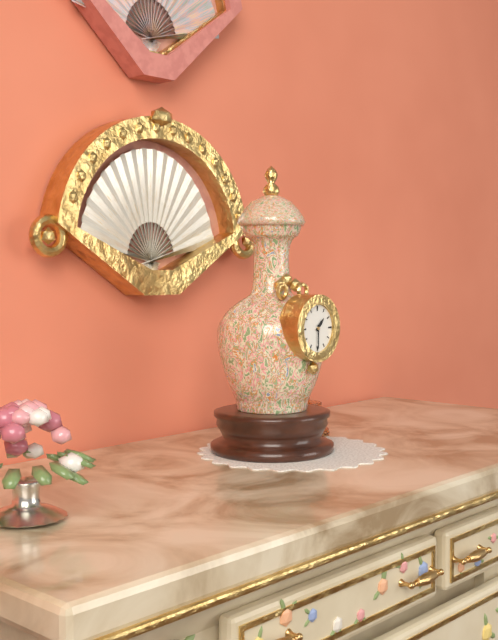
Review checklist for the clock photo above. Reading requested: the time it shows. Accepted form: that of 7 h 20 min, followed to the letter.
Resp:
1 h 30 min
